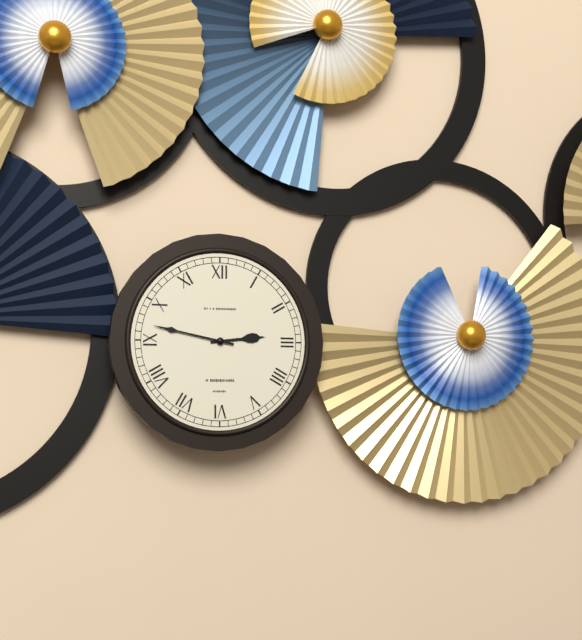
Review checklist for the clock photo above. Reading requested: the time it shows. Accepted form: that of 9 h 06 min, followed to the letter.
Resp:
2 h 47 min
